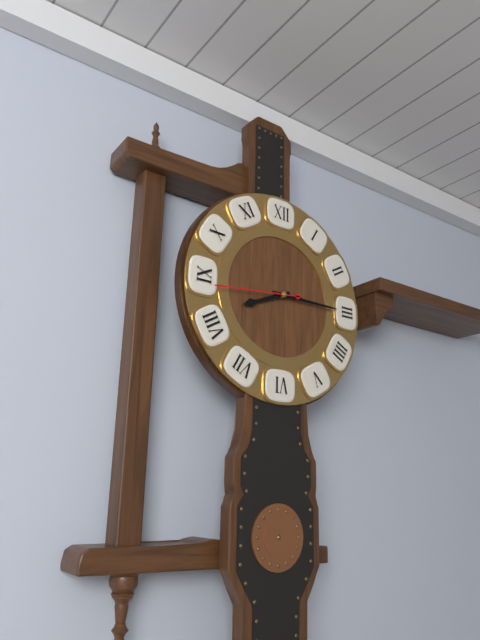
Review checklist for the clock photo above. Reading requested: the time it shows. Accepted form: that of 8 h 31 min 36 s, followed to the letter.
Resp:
8 h 15 min 44 s
